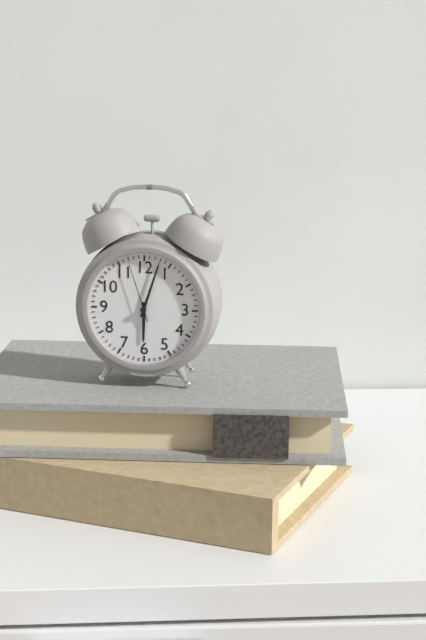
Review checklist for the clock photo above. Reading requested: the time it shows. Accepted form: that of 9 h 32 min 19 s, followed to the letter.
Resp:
6 h 03 min 57 s
